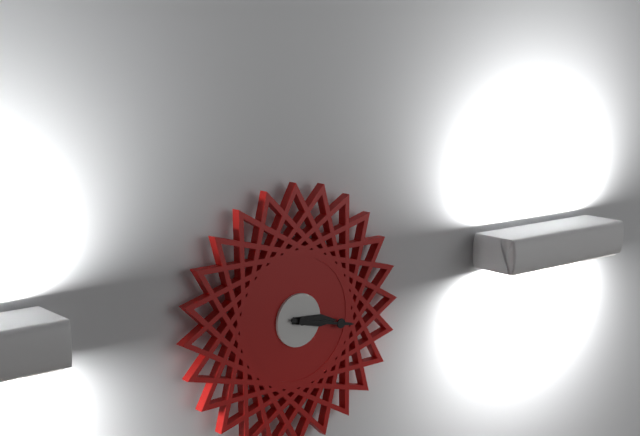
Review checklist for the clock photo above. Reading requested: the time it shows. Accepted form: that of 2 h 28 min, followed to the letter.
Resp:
3 h 17 min
